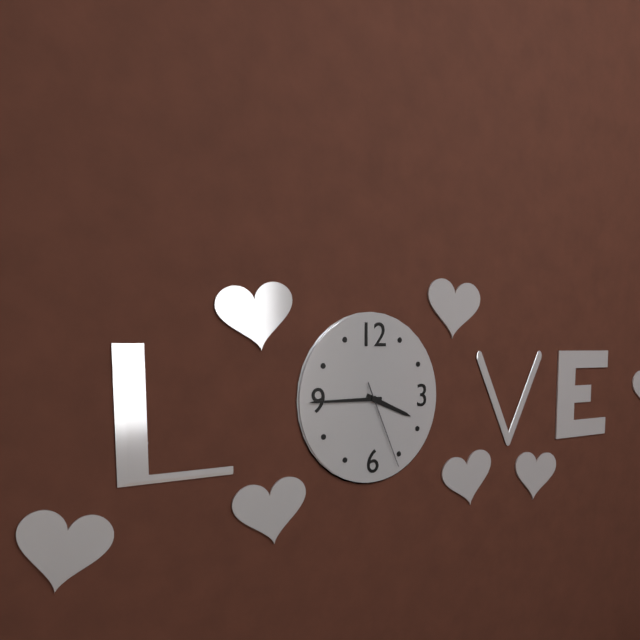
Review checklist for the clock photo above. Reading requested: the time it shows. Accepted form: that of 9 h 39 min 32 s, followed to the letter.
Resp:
3 h 45 min 26 s
